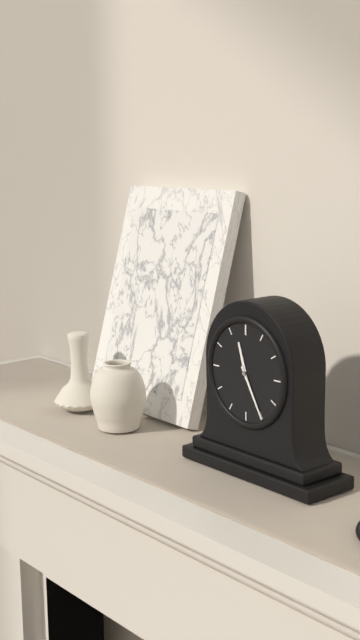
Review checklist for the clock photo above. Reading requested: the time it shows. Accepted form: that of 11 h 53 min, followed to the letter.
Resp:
11 h 25 min
